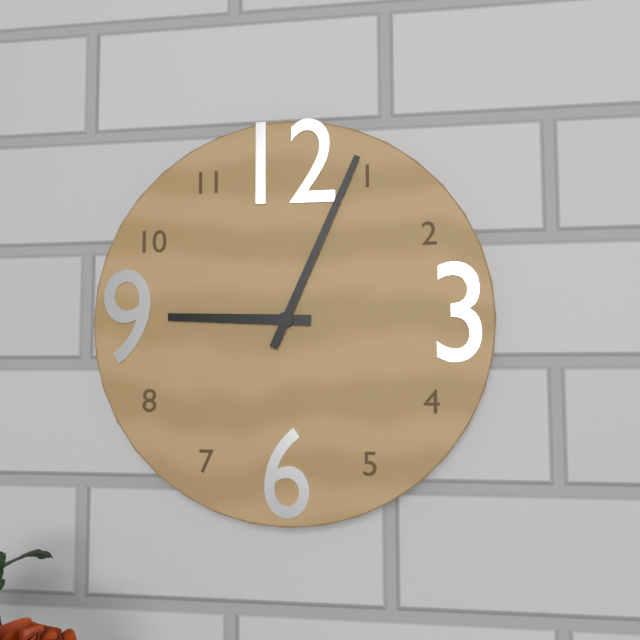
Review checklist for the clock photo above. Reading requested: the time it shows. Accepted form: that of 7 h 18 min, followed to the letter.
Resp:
9 h 04 min
